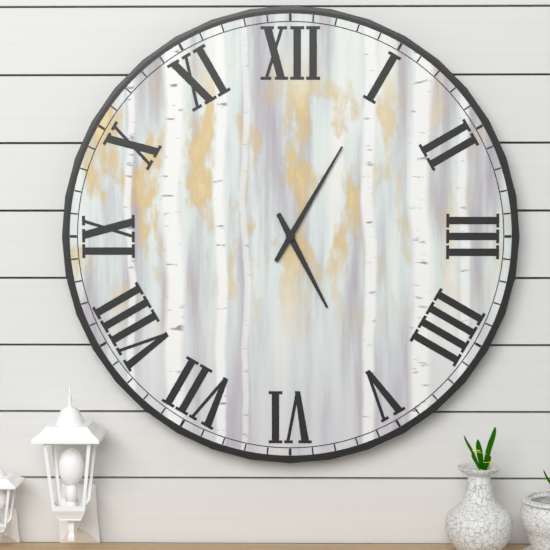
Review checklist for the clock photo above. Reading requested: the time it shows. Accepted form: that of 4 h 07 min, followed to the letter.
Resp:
5 h 05 min
